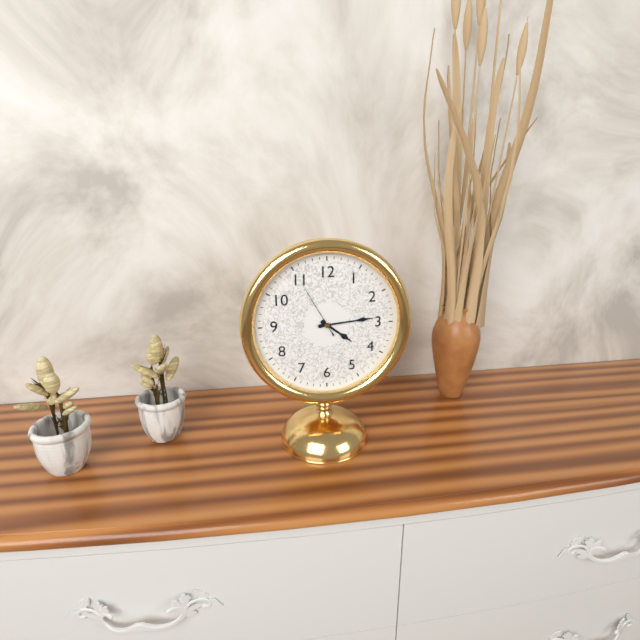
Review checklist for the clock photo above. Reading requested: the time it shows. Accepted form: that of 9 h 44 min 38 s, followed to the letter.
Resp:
4 h 14 min 55 s
